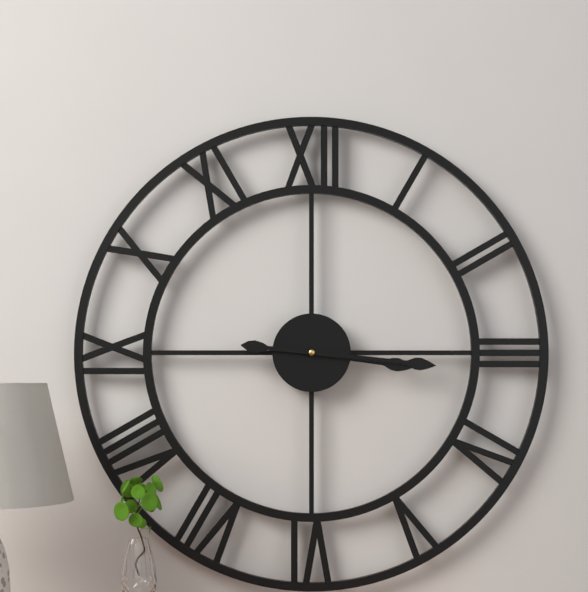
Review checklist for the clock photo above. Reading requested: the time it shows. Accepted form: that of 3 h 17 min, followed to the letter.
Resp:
3 h 16 min
